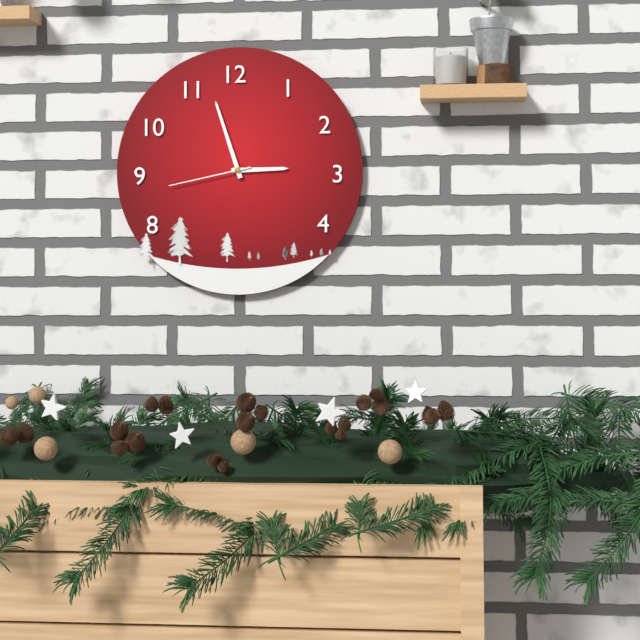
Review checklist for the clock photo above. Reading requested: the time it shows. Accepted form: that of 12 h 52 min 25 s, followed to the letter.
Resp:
2 h 57 min 43 s
